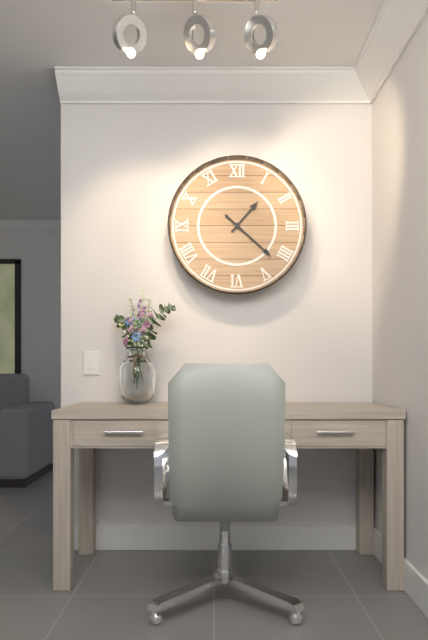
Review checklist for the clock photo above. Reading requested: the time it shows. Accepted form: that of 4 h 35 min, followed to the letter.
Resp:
1 h 22 min
